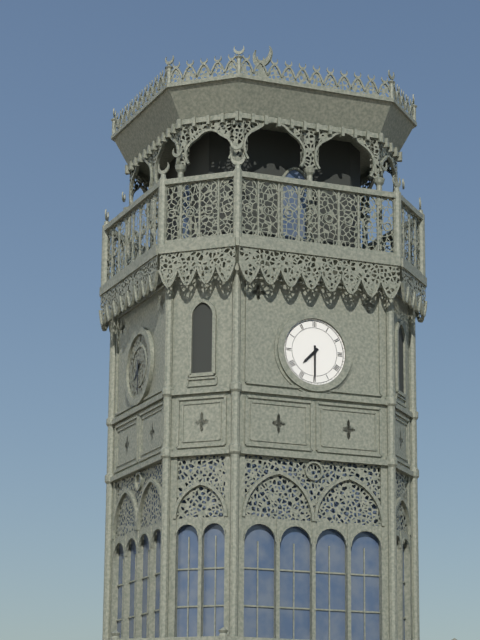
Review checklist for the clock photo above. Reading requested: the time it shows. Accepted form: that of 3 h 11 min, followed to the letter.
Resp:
7 h 30 min
